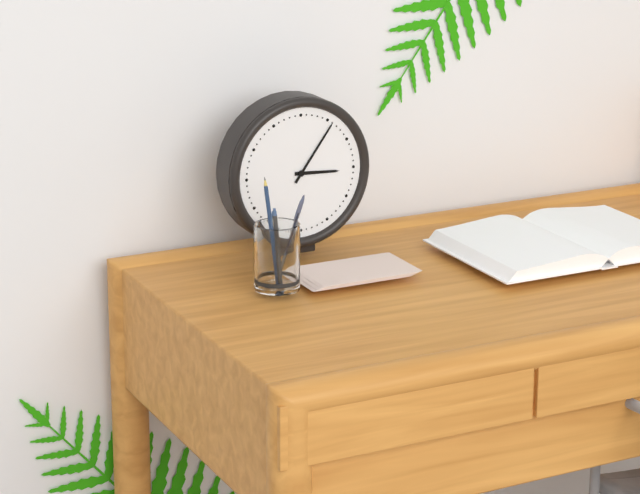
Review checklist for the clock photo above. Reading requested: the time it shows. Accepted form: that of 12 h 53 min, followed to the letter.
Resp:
3 h 06 min
